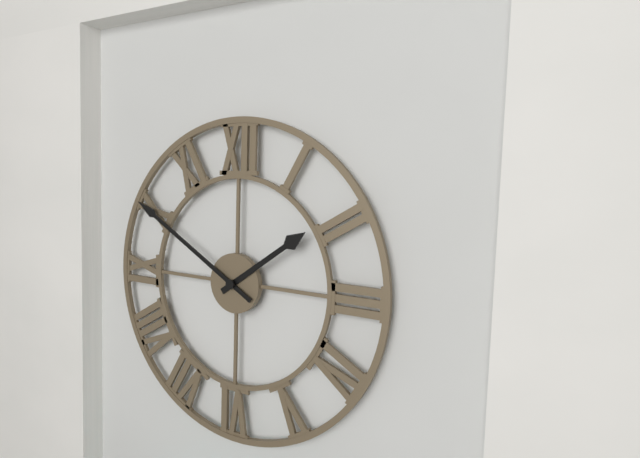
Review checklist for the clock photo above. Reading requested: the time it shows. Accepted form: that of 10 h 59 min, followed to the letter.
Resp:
1 h 50 min
